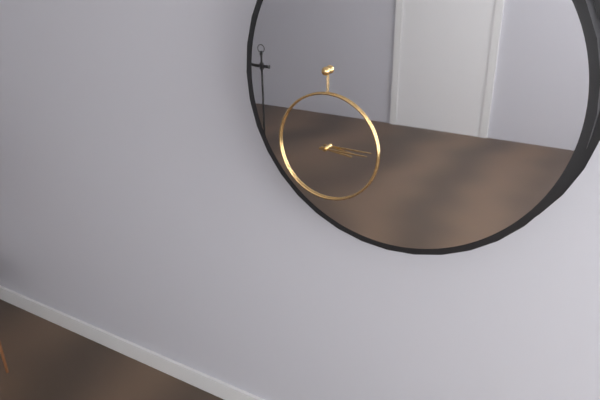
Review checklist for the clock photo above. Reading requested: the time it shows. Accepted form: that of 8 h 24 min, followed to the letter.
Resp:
3 h 15 min
